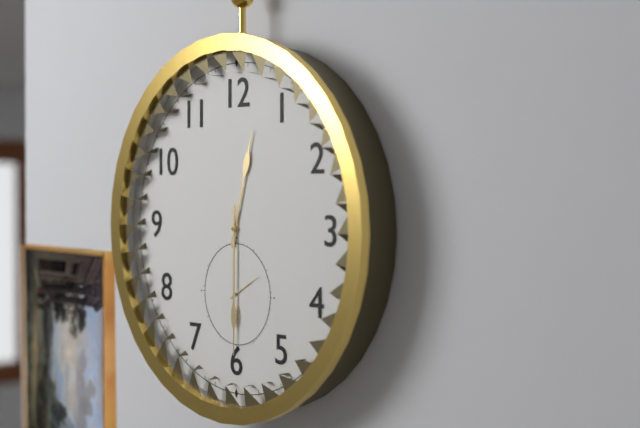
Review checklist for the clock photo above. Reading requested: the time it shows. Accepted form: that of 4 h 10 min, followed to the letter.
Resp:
12 h 30 min
